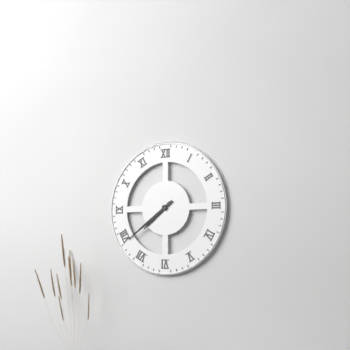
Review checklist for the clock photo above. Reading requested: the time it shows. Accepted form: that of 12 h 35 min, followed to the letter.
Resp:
7 h 39 min
